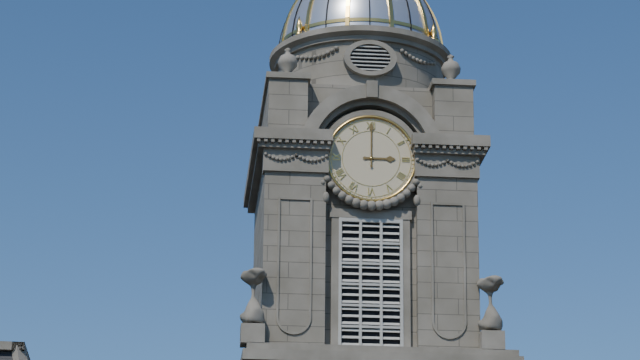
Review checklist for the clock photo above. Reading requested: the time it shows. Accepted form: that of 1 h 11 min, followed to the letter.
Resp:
3 h 00 min
